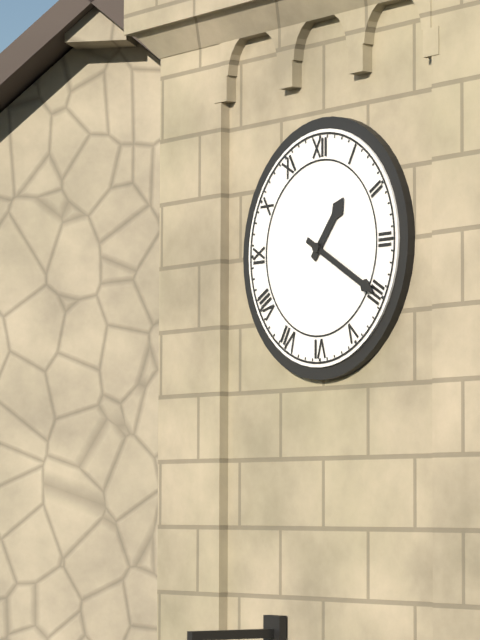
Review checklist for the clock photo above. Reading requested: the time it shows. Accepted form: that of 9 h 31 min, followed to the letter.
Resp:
1 h 20 min
